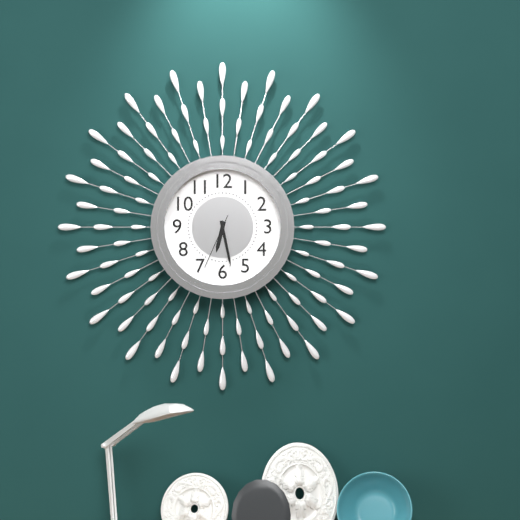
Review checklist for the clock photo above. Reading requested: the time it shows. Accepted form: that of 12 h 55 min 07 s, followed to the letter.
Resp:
6 h 28 min 34 s
